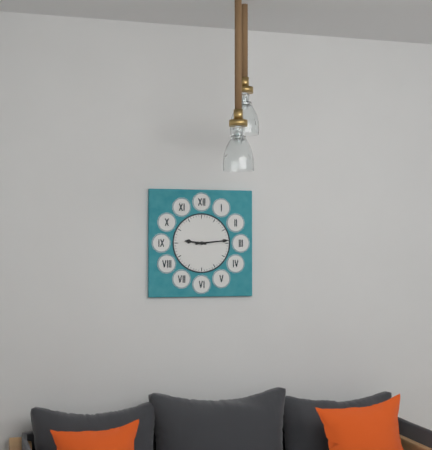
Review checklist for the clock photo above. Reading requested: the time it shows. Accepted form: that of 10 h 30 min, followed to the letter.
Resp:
9 h 14 min
